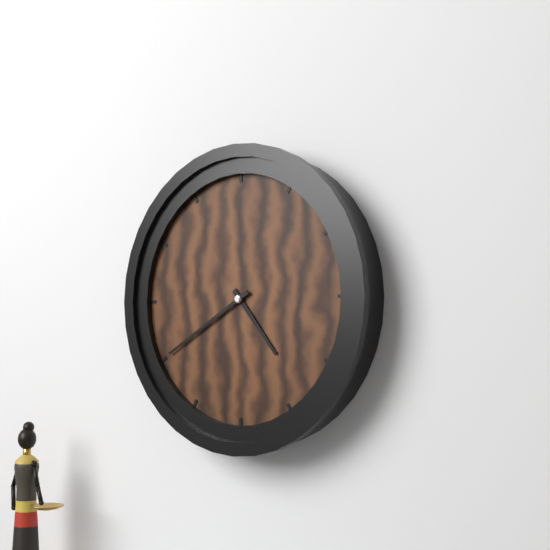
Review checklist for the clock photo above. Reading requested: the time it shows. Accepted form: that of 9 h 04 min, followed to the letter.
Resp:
4 h 40 min
